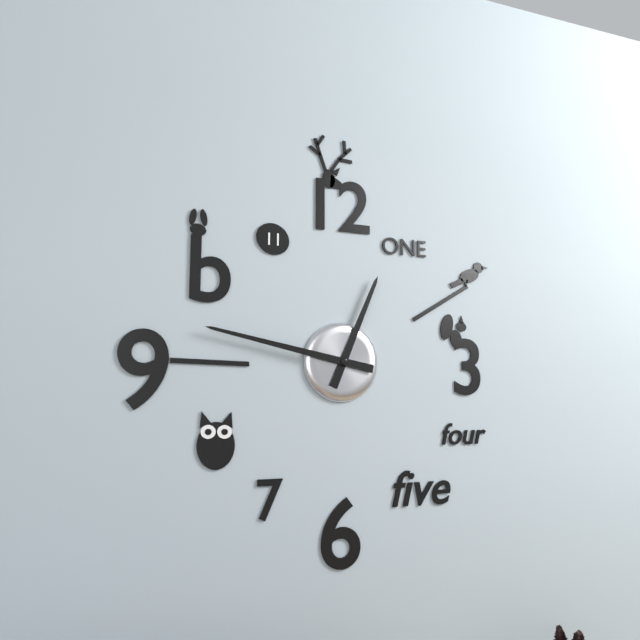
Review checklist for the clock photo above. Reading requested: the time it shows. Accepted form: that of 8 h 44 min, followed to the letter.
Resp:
12 h 47 min
